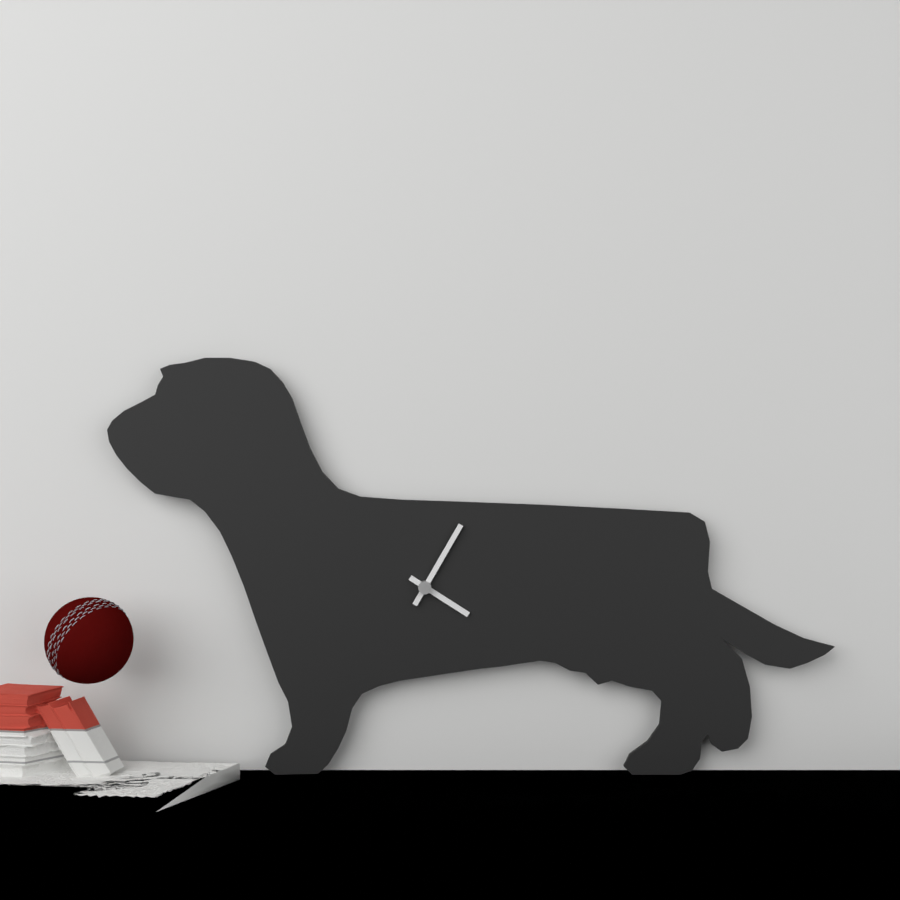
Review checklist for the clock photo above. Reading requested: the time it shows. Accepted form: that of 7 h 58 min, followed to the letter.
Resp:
4 h 05 min
